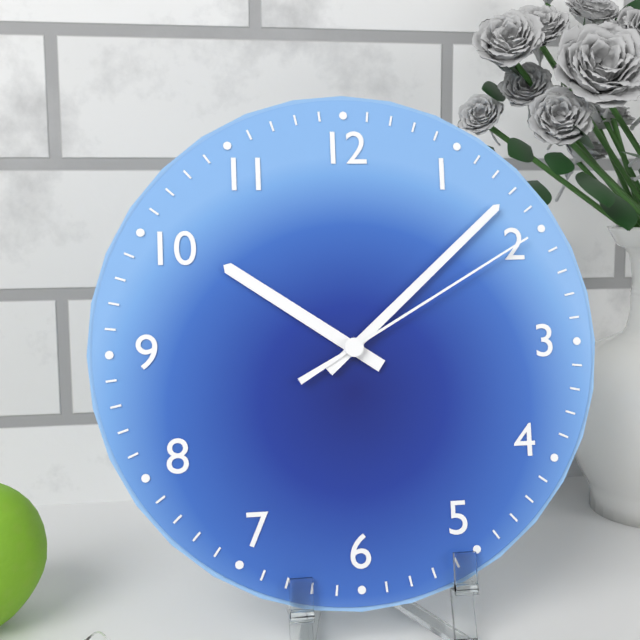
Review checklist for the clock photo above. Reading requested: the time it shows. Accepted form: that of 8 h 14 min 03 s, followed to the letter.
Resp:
10 h 08 min 10 s
